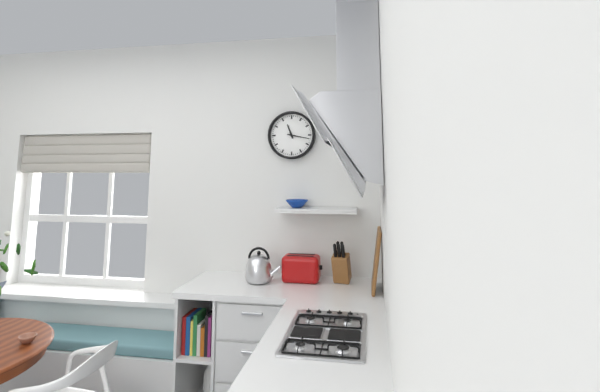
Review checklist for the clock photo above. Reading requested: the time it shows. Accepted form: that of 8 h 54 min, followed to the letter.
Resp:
11 h 17 min
